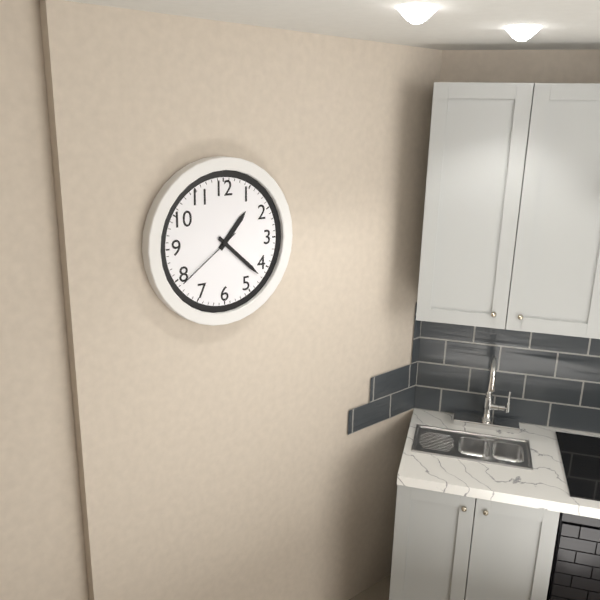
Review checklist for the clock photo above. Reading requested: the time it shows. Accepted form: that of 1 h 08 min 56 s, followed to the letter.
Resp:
1 h 22 min 39 s
